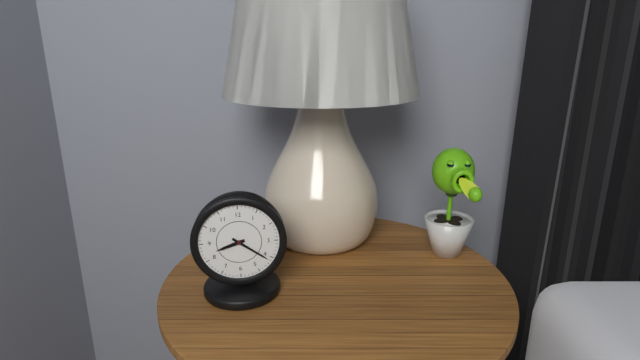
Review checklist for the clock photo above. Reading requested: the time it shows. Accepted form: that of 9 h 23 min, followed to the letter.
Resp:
8 h 21 min
